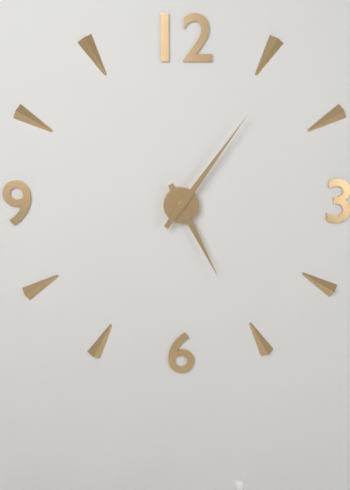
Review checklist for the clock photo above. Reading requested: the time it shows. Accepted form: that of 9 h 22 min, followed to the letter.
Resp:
5 h 06 min
